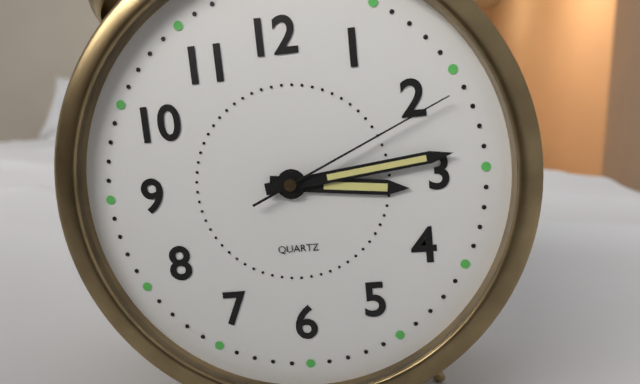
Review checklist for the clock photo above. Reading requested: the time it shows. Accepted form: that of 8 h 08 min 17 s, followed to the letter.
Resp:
3 h 14 min 11 s
